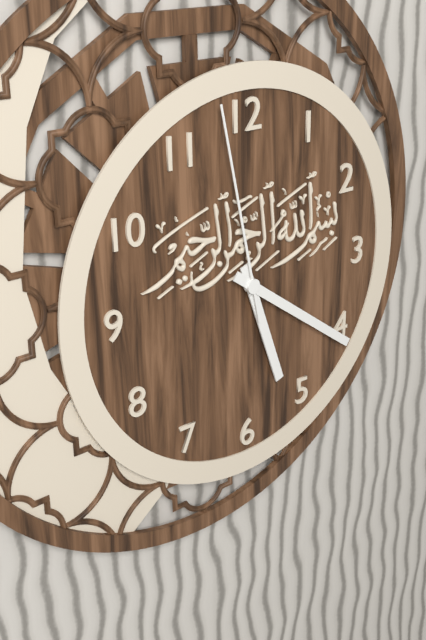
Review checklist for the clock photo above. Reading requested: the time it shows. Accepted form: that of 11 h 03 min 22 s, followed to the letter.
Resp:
5 h 21 min 58 s
